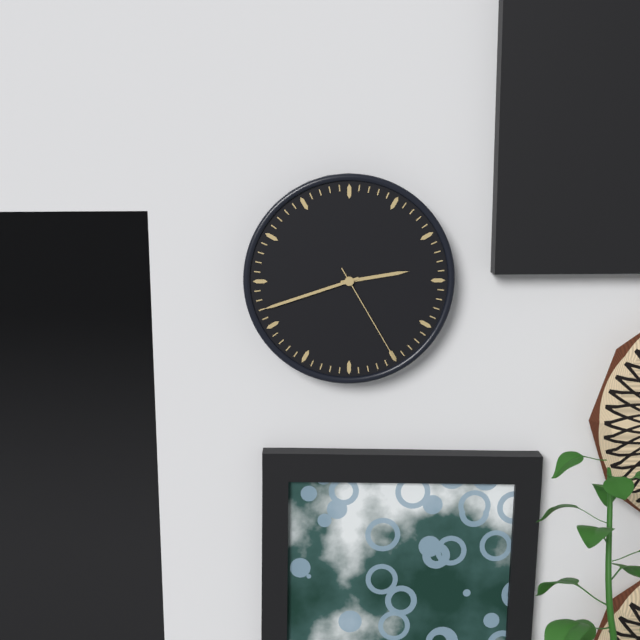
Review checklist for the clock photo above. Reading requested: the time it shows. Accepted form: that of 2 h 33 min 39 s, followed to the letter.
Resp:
2 h 42 min 25 s
